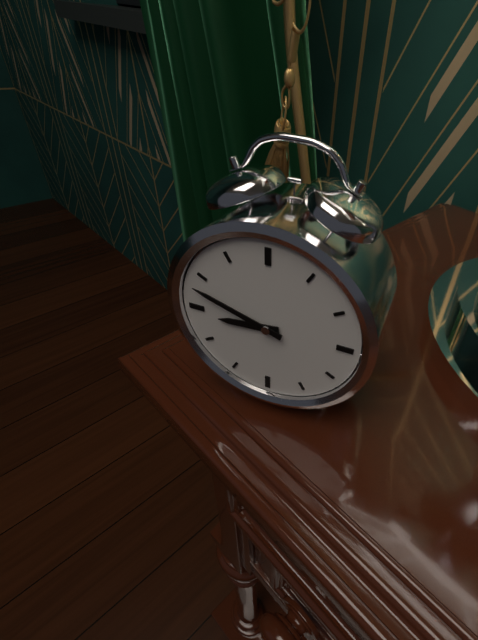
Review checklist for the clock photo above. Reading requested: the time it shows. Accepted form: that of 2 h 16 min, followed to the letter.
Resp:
8 h 48 min
